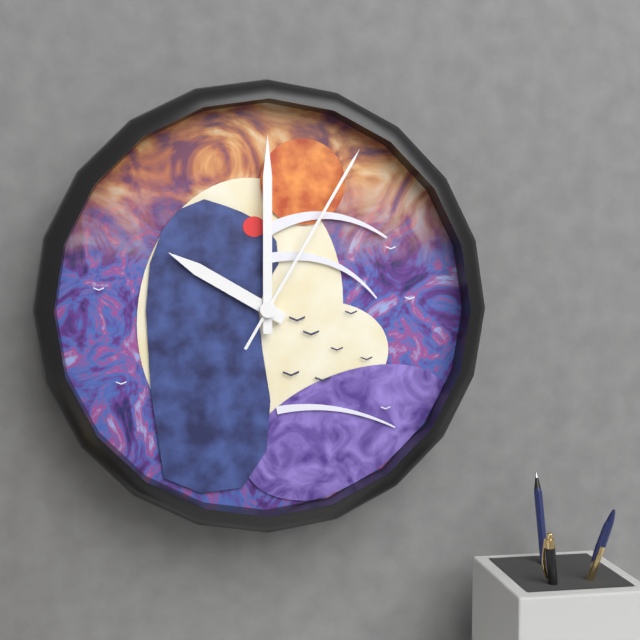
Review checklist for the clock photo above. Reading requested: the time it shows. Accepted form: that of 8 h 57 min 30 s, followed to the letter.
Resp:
10 h 00 min 05 s
